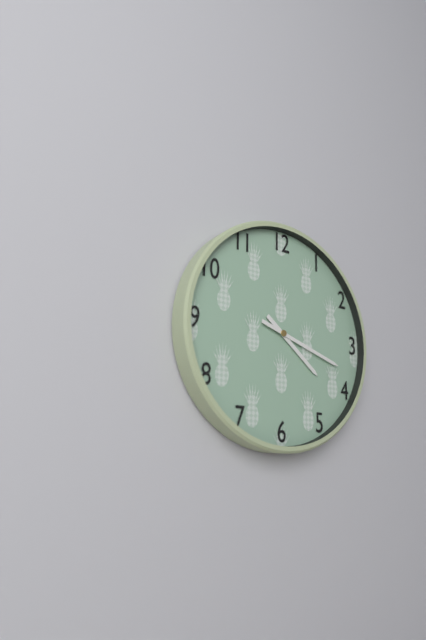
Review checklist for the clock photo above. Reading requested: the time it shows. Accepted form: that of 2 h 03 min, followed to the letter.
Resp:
4 h 18 min
